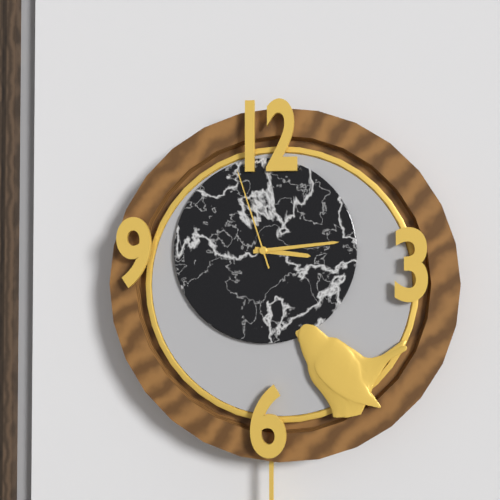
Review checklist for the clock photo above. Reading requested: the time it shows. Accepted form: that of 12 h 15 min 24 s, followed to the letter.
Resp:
3 h 14 min 57 s
